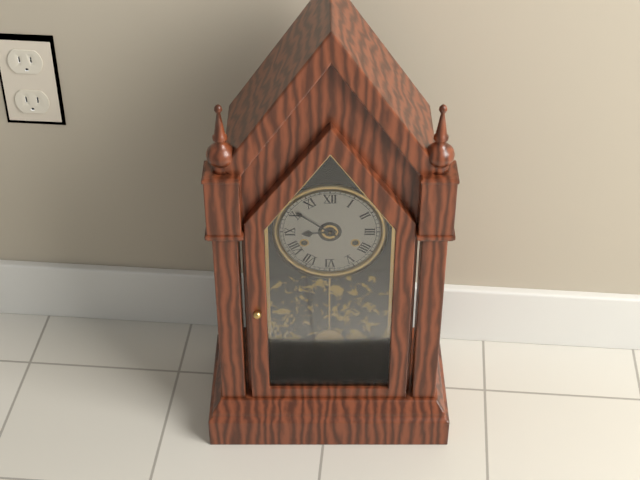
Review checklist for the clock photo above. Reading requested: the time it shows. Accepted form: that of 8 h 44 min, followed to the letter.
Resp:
8 h 51 min
